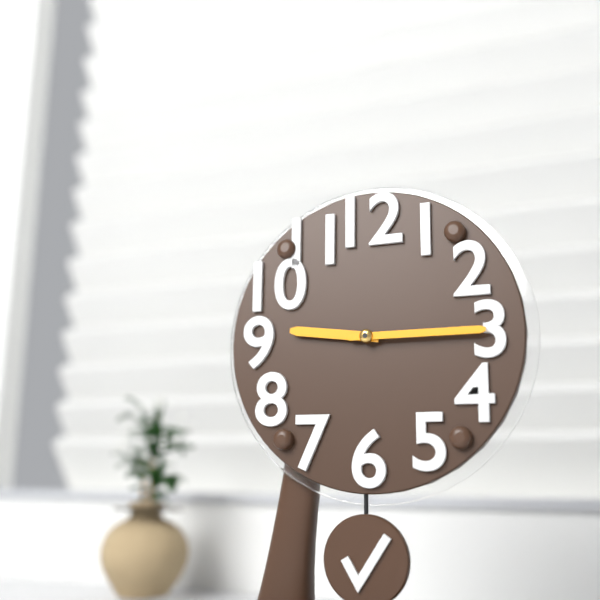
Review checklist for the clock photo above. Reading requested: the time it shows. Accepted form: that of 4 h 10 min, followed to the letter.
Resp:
9 h 15 min
